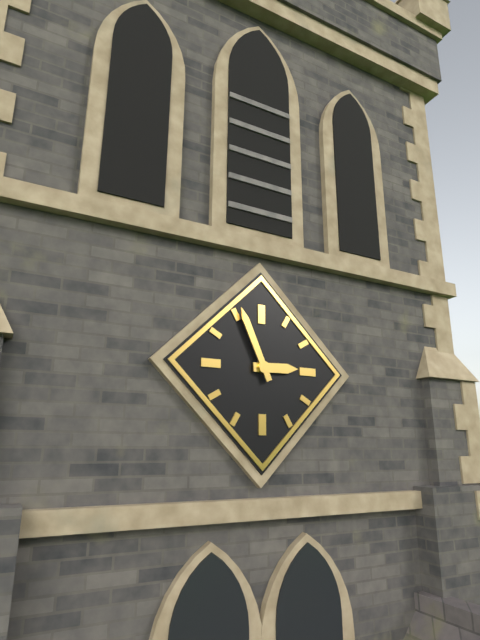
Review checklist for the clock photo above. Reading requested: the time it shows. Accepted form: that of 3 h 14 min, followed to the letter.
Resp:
2 h 56 min
